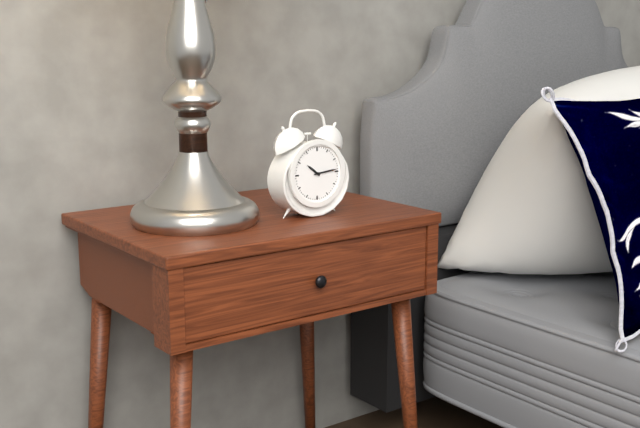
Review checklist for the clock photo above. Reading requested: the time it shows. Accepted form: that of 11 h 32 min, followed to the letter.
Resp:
10 h 14 min
